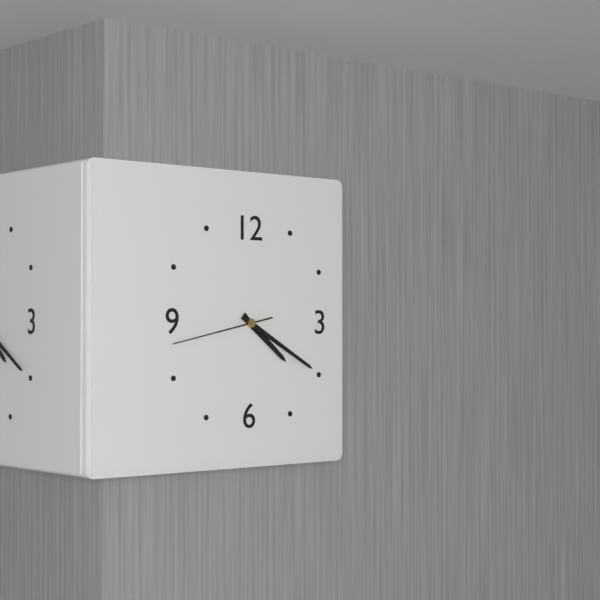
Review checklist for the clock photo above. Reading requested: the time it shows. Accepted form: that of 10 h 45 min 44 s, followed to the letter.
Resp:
4 h 20 min 43 s
